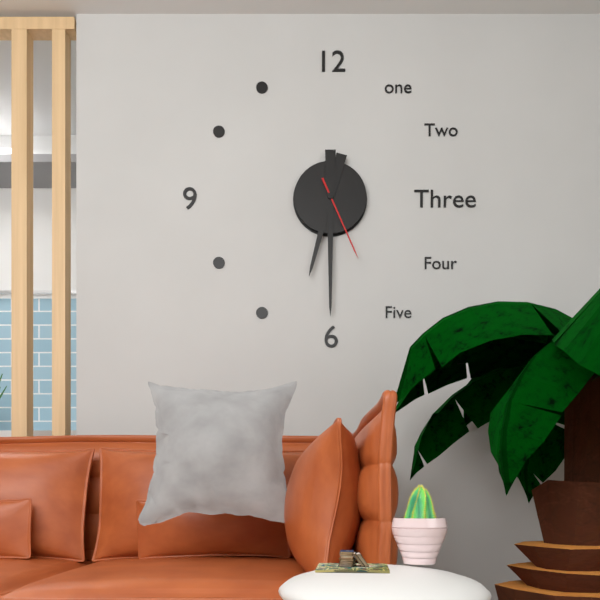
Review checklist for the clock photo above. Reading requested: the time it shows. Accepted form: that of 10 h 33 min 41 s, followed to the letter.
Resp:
6 h 30 min 26 s
